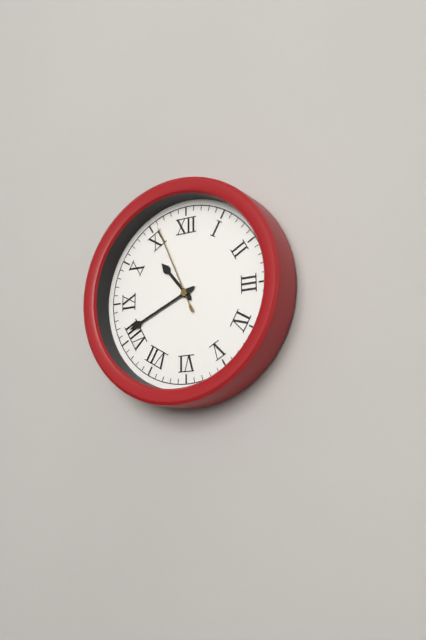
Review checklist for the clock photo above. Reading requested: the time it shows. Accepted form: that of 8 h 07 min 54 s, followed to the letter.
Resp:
10 h 41 min 56 s
